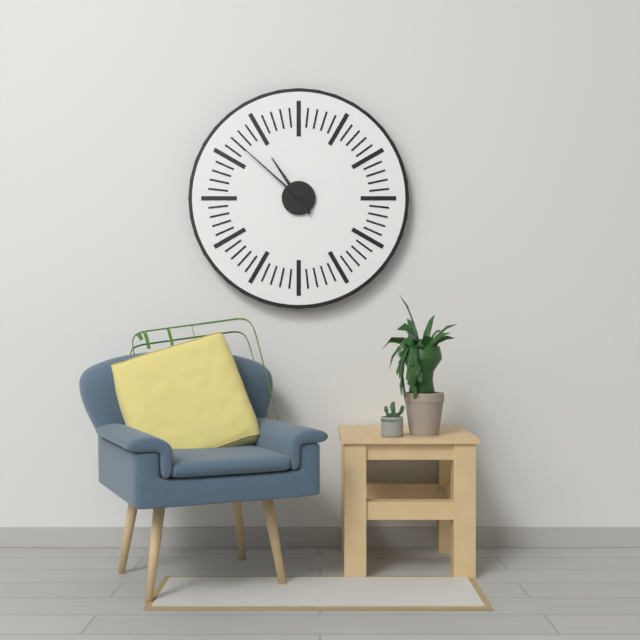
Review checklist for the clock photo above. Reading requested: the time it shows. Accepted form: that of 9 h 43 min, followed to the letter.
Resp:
10 h 52 min
